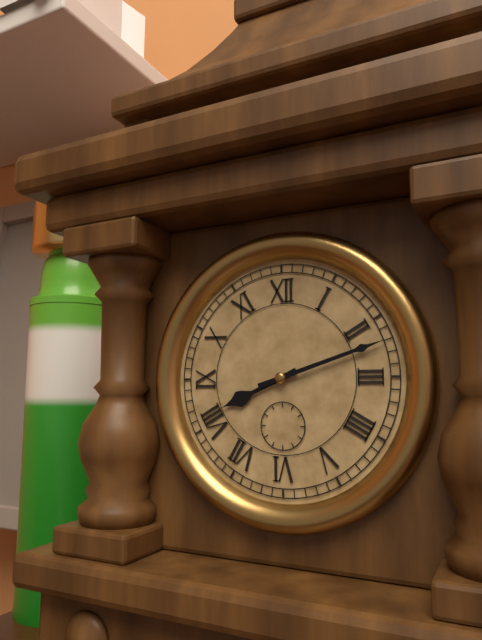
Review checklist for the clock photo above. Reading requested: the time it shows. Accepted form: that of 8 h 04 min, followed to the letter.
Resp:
8 h 12 min
